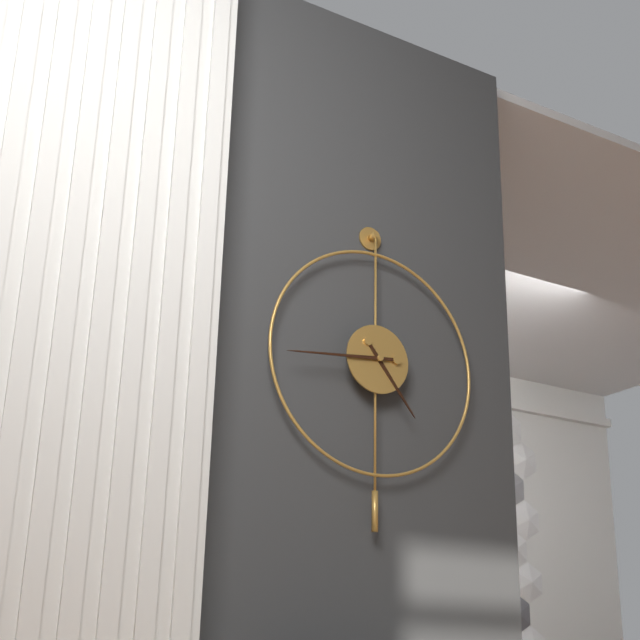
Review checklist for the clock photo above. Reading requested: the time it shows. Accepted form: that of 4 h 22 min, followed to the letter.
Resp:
4 h 44 min
